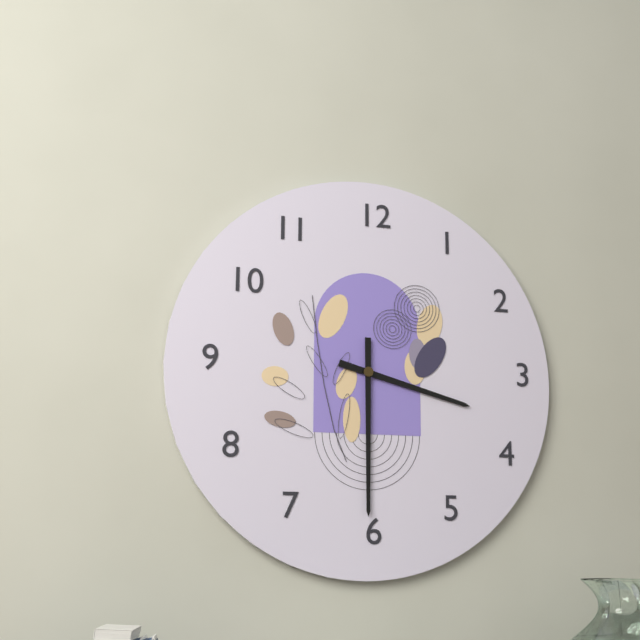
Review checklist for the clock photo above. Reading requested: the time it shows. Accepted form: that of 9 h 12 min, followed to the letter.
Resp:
3 h 30 min
